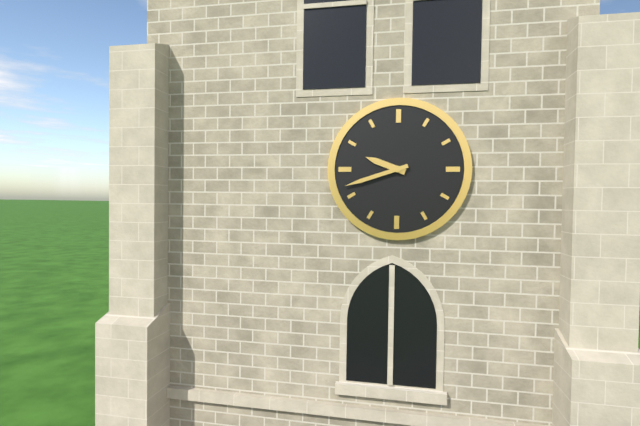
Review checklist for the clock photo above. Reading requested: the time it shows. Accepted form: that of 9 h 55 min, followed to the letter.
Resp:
9 h 42 min
